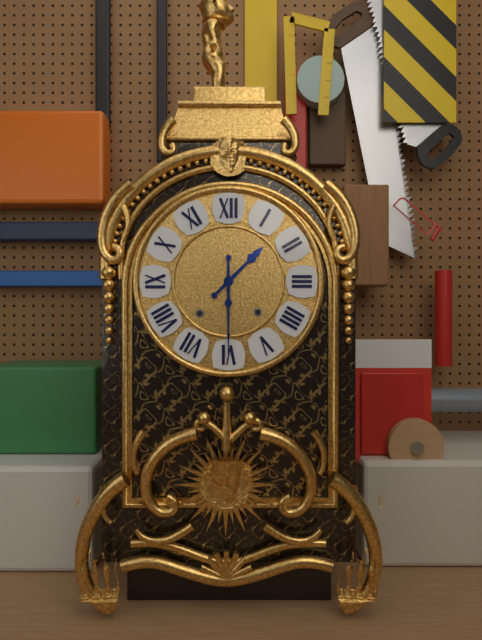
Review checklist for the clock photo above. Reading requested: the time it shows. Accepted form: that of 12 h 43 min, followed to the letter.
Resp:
1 h 30 min
